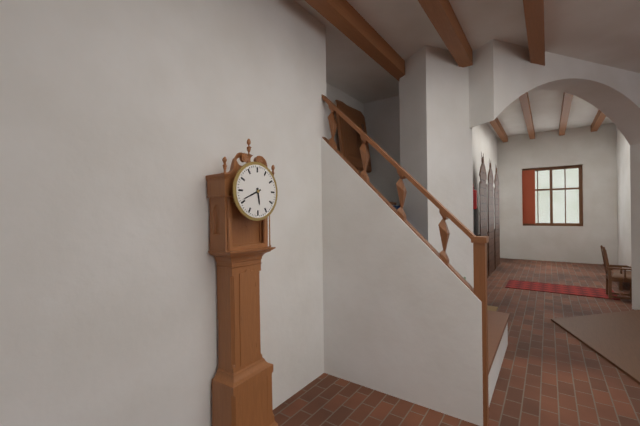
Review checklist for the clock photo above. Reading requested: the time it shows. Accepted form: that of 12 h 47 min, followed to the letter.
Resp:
5 h 41 min
